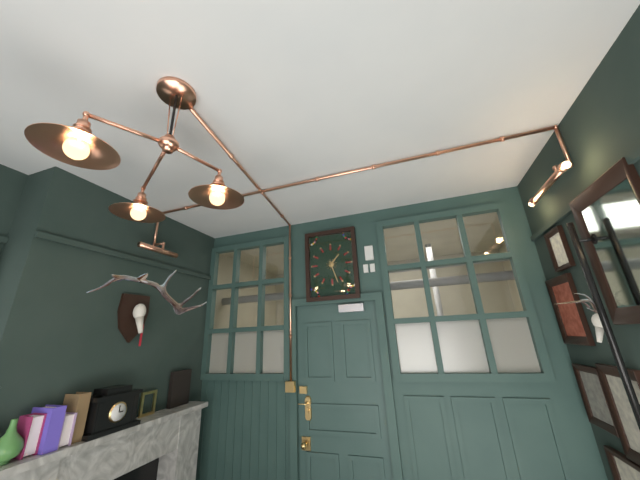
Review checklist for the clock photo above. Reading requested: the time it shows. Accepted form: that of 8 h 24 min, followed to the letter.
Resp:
1 h 27 min
